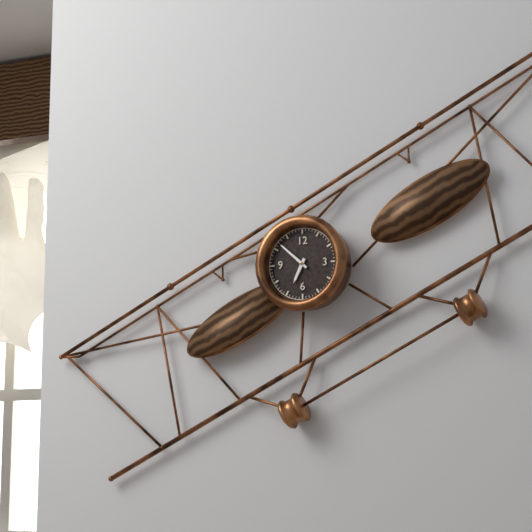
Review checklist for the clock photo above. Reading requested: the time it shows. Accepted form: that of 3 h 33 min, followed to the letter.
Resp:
6 h 52 min
